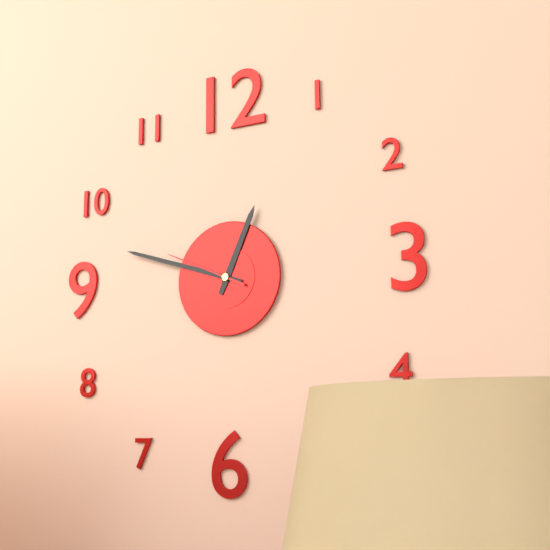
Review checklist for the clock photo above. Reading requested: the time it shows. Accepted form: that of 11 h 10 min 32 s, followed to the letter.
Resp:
12 h 48 min 49 s
